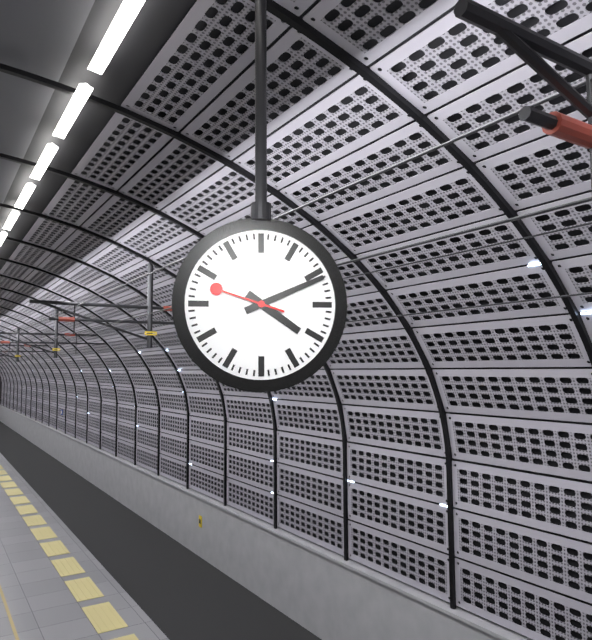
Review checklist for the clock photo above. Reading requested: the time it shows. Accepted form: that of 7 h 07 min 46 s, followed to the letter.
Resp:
4 h 11 min 48 s
